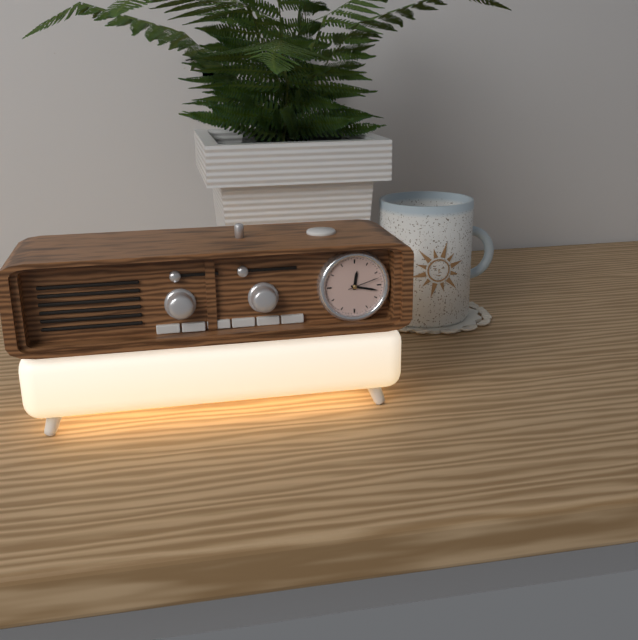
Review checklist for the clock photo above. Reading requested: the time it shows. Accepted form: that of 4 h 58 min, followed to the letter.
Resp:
12 h 17 min
